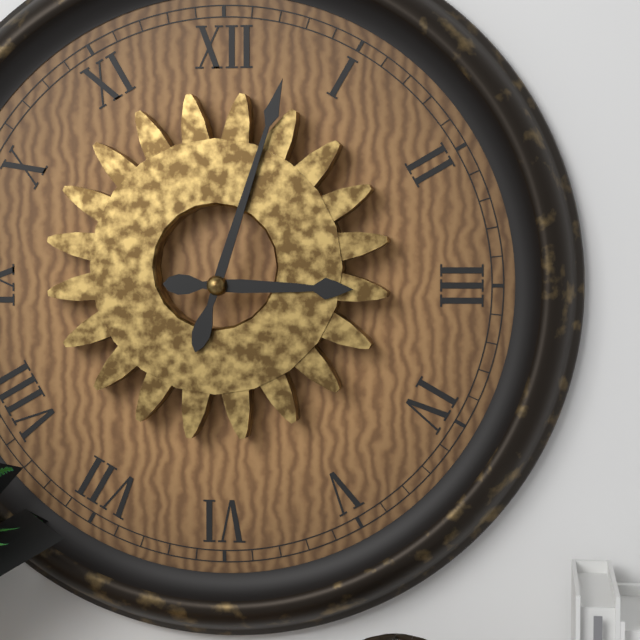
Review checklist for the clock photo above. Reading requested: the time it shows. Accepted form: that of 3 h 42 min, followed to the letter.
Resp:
3 h 03 min
